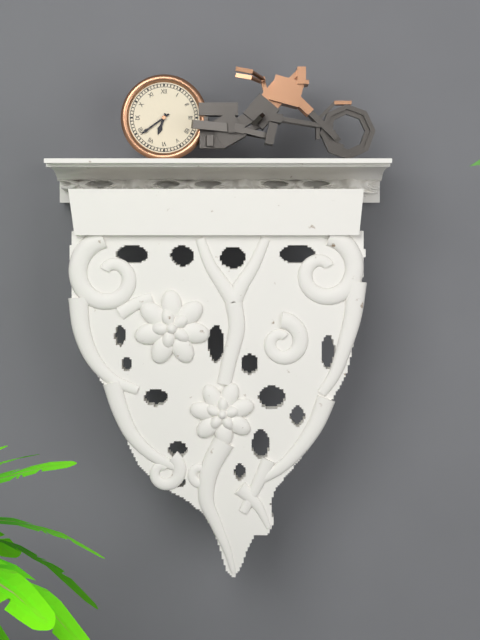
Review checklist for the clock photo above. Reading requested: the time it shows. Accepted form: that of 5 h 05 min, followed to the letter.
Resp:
6 h 39 min
